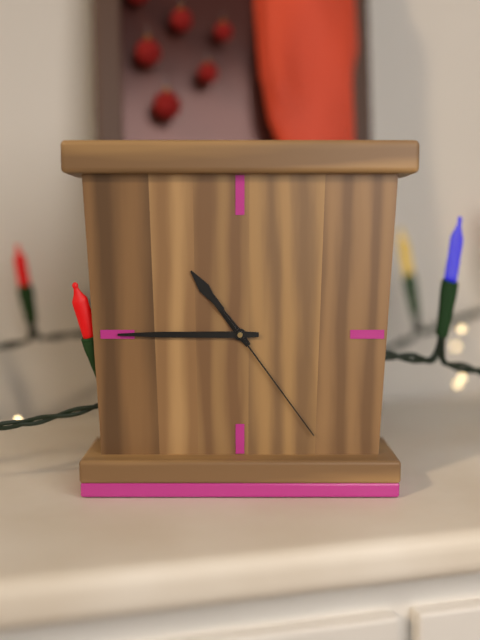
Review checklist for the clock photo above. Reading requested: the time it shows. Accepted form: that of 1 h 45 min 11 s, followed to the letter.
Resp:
10 h 45 min 24 s
